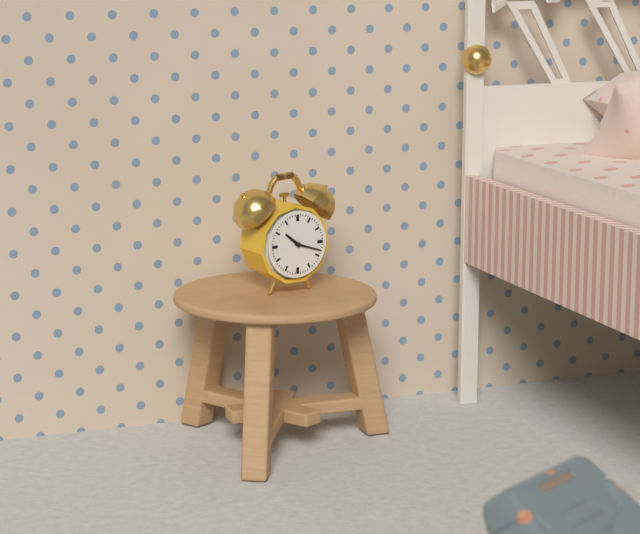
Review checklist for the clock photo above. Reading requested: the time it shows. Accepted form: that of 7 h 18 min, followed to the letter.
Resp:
10 h 18 min
